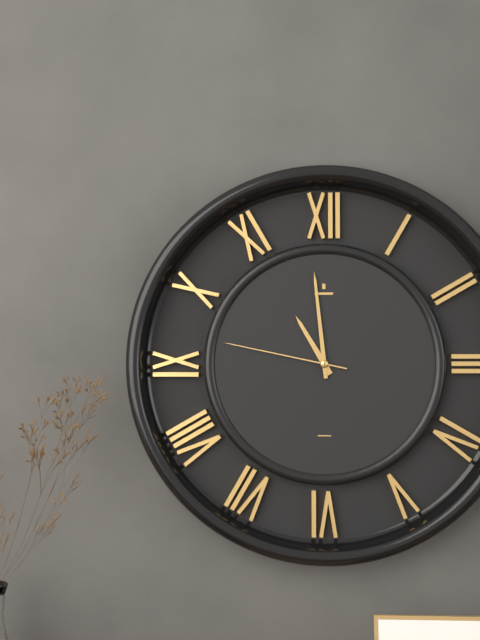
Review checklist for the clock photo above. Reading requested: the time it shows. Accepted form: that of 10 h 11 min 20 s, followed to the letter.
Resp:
10 h 59 min 47 s
